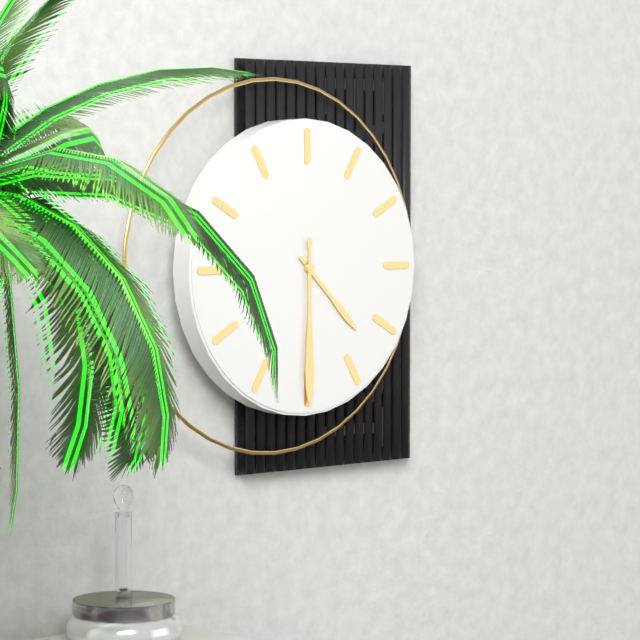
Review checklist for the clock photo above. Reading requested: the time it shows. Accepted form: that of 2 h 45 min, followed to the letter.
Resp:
4 h 30 min
